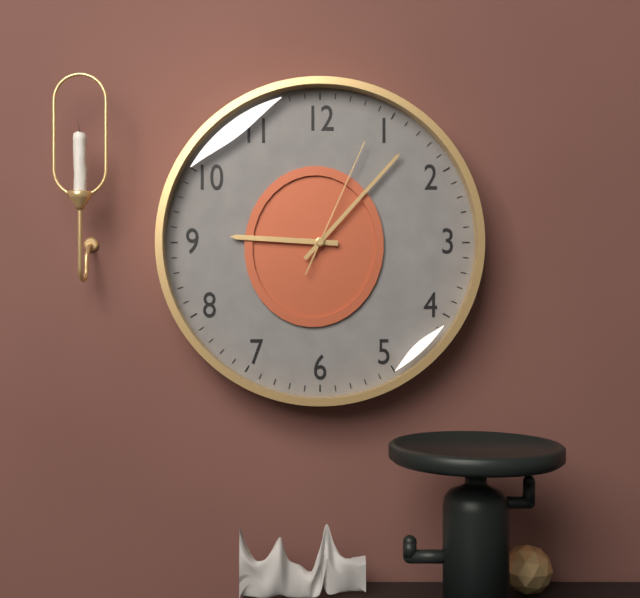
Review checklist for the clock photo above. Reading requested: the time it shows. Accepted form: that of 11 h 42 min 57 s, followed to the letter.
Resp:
9 h 07 min 04 s
